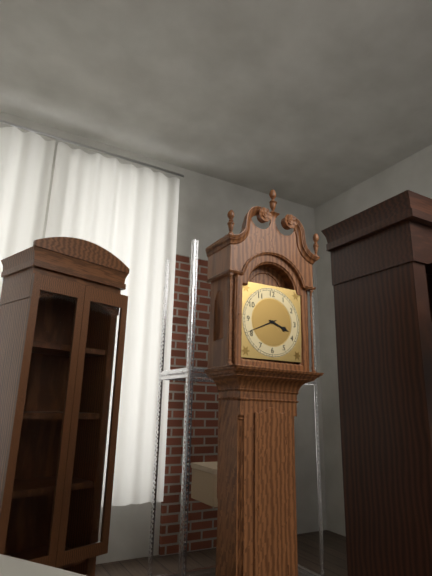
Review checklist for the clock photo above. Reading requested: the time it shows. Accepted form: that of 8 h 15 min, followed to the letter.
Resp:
3 h 41 min
